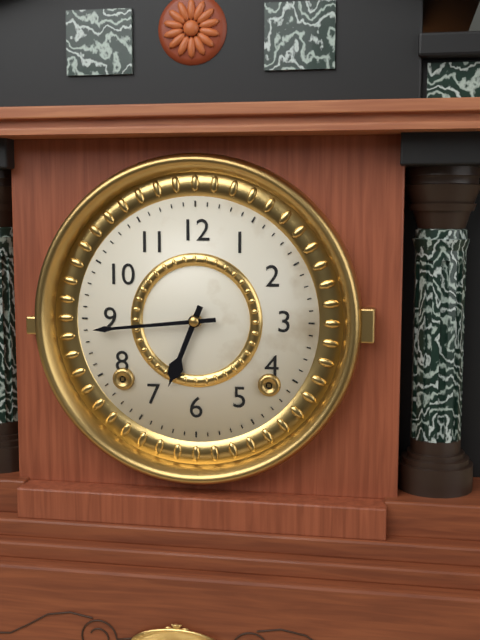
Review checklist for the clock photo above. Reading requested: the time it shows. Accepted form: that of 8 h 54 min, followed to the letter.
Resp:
6 h 44 min
